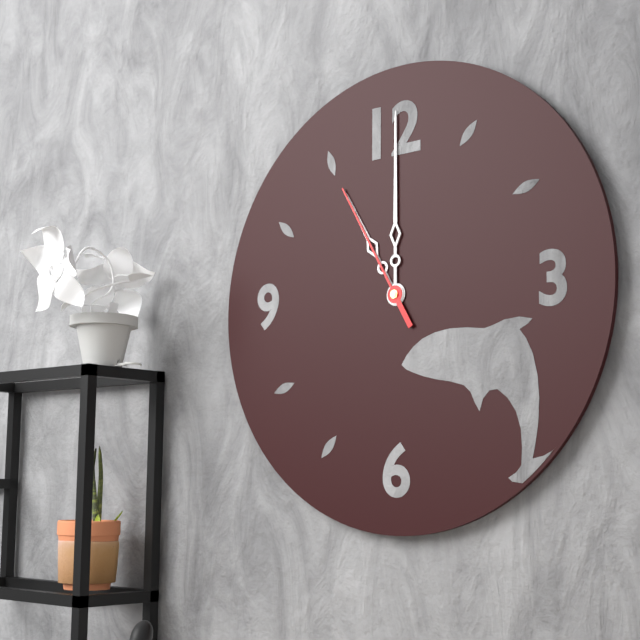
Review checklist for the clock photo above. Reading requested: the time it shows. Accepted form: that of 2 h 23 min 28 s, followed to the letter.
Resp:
11 h 00 min 55 s
